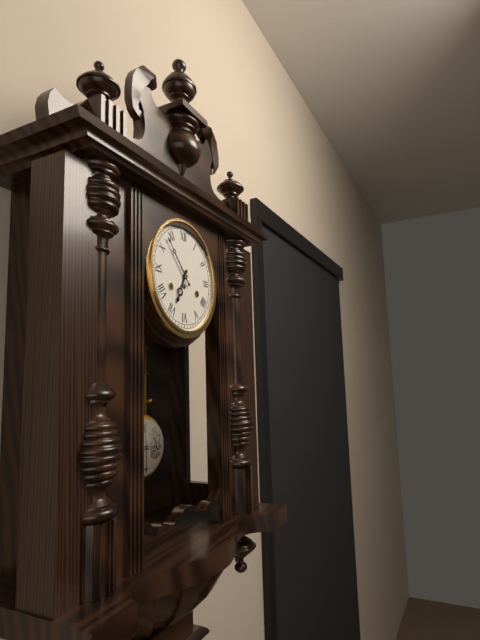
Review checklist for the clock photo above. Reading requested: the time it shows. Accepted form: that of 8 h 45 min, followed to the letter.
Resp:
6 h 53 min
